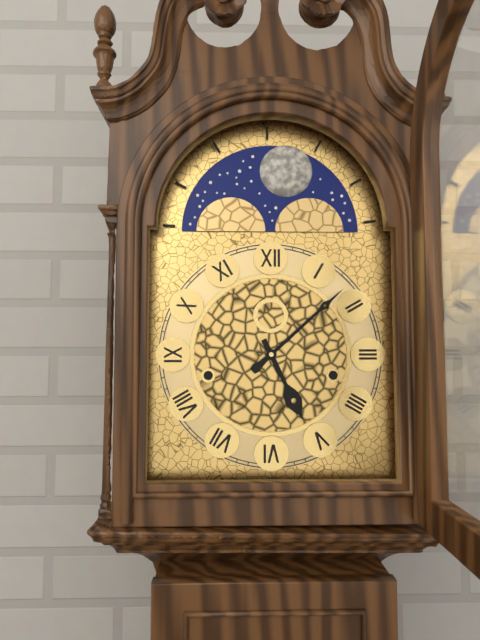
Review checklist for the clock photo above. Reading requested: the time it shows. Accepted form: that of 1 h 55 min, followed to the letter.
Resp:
5 h 08 min
